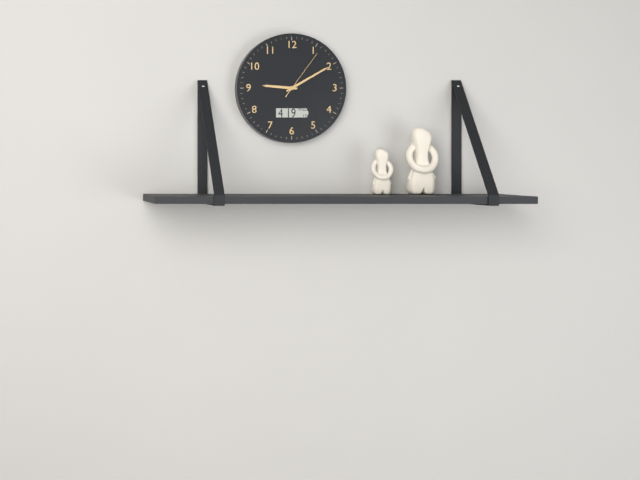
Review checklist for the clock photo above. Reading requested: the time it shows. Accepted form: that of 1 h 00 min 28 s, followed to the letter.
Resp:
9 h 10 min 06 s
